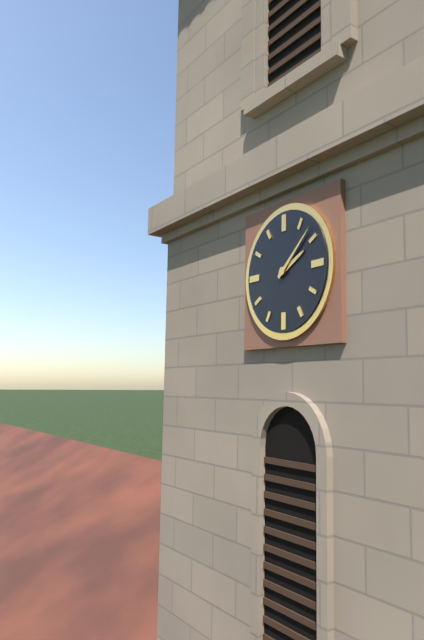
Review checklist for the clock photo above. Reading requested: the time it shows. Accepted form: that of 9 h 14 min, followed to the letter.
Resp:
2 h 08 min
